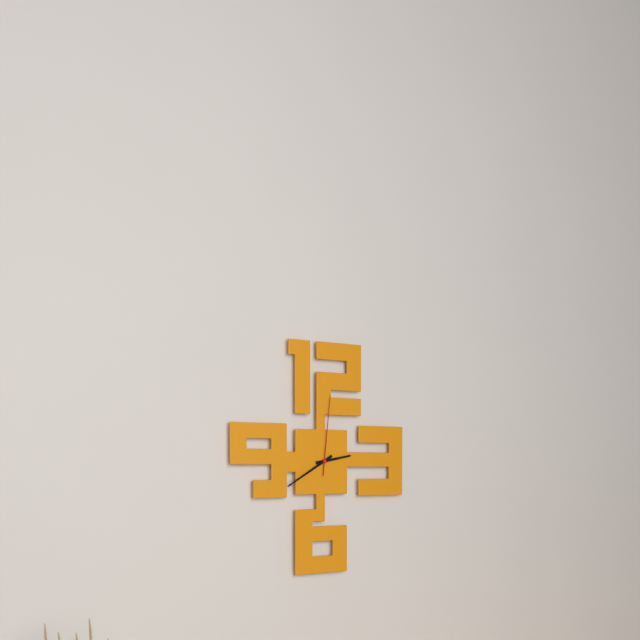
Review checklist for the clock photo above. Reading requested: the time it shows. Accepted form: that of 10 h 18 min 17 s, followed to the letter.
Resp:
2 h 40 min 01 s
